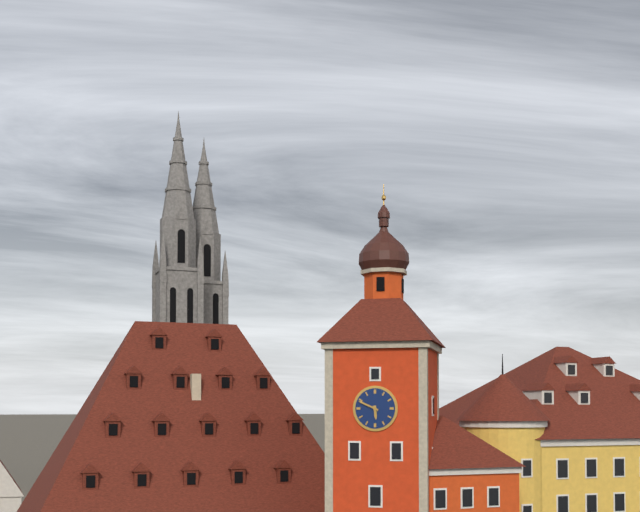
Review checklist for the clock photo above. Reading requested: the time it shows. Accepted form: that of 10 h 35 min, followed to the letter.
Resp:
5 h 49 min
